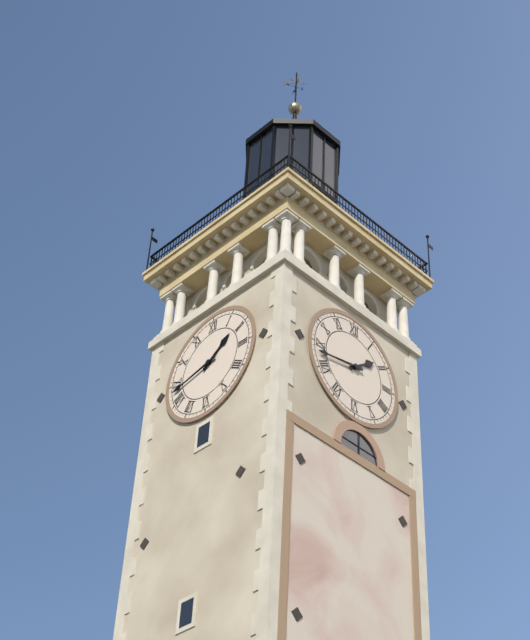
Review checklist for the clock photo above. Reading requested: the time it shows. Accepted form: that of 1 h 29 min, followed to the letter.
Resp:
1 h 43 min
